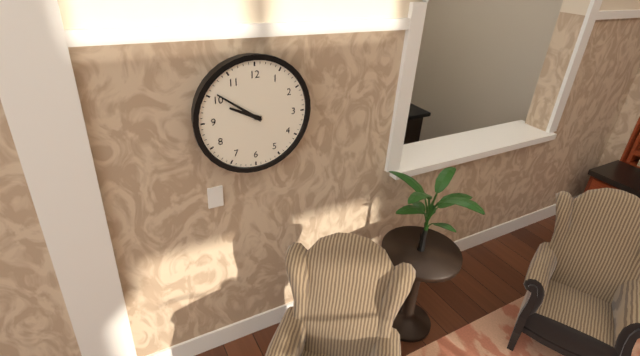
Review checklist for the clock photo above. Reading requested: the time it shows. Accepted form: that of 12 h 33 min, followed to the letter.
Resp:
9 h 51 min
